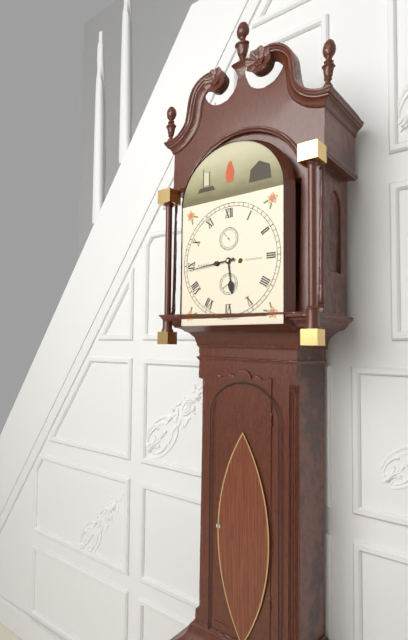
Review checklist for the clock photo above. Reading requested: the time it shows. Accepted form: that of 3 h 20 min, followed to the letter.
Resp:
5 h 44 min
